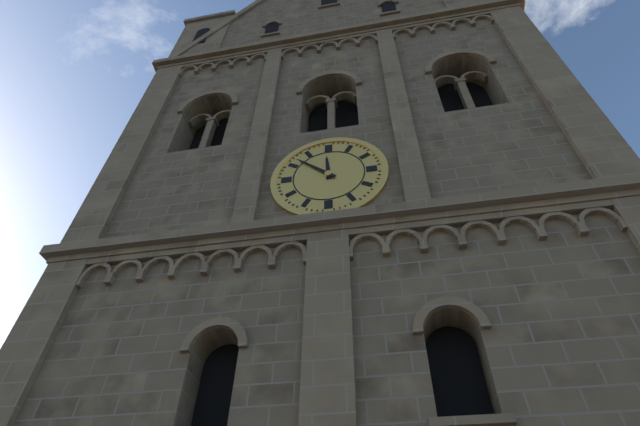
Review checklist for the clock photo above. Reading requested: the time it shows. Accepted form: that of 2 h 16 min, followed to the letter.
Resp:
11 h 52 min
